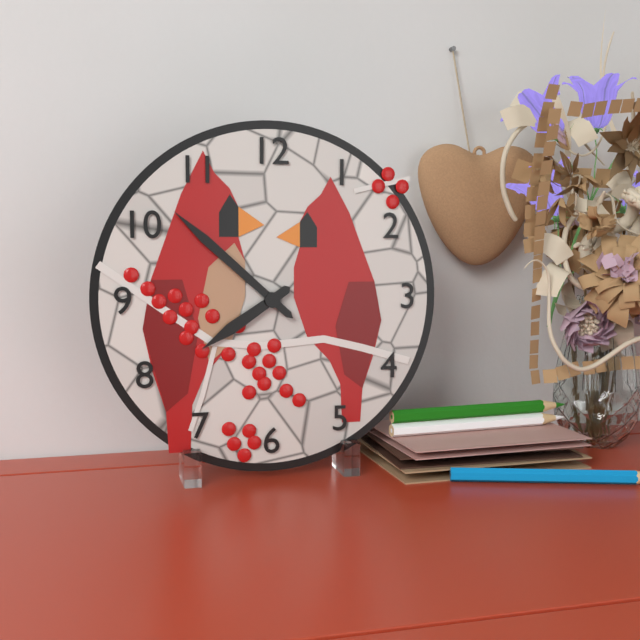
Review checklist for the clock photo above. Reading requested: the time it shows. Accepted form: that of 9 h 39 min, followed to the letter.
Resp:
7 h 52 min
